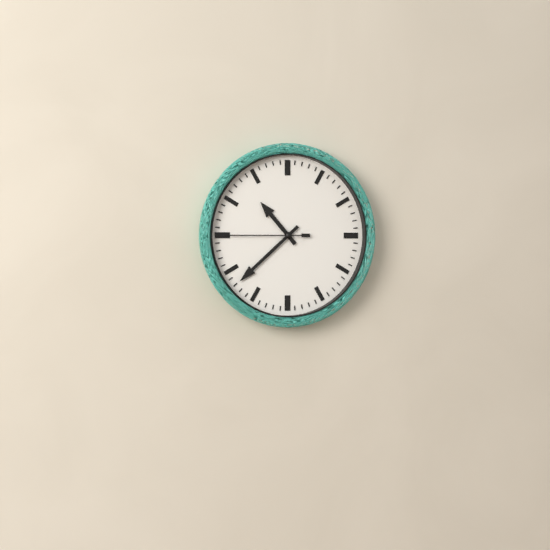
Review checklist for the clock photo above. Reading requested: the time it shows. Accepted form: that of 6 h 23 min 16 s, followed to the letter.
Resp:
10 h 38 min 45 s
